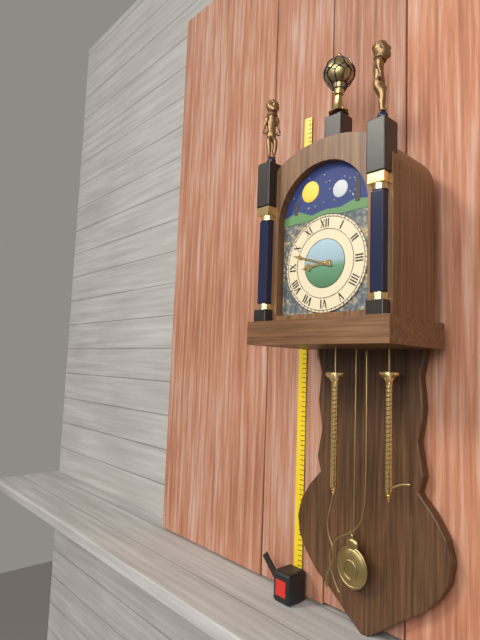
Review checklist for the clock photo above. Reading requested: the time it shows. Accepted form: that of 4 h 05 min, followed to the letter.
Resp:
8 h 48 min
